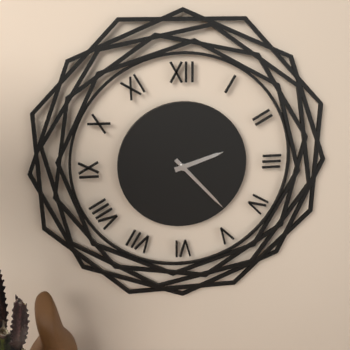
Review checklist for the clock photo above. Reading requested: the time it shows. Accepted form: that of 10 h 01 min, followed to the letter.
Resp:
2 h 23 min
